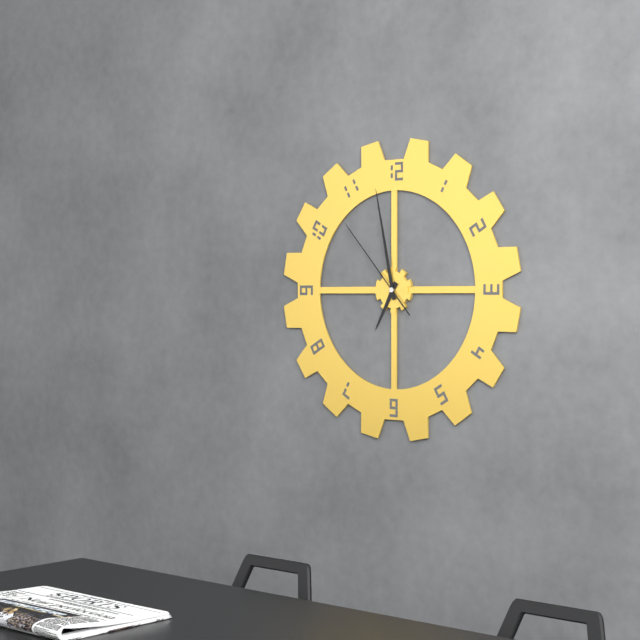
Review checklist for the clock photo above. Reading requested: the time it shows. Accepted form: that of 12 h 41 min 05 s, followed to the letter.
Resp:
6 h 58 min 53 s
